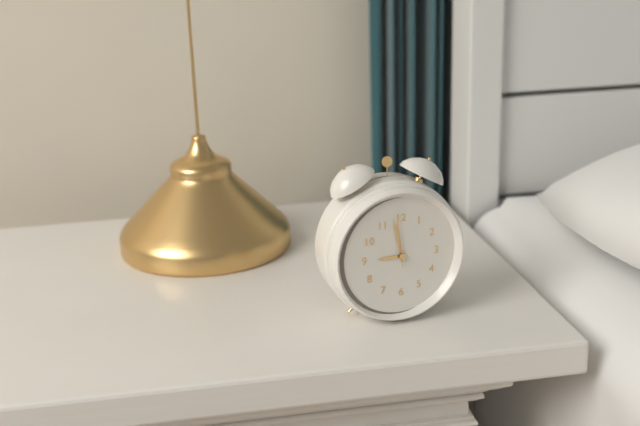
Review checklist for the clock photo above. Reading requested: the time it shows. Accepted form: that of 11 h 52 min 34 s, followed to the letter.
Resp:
8 h 58 min 59 s
